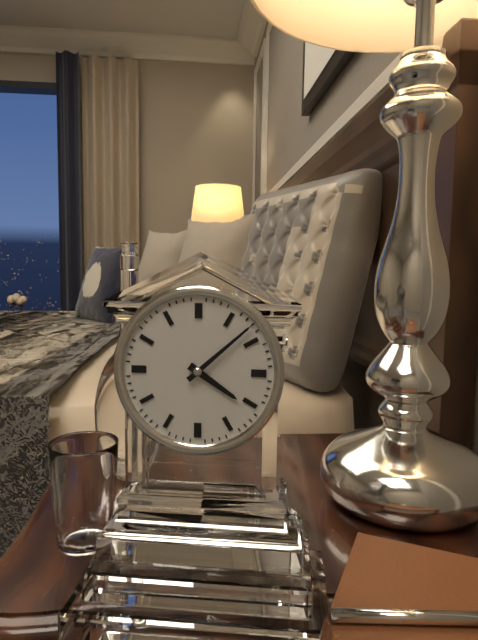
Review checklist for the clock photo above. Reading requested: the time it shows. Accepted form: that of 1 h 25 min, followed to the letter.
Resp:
4 h 08 min
